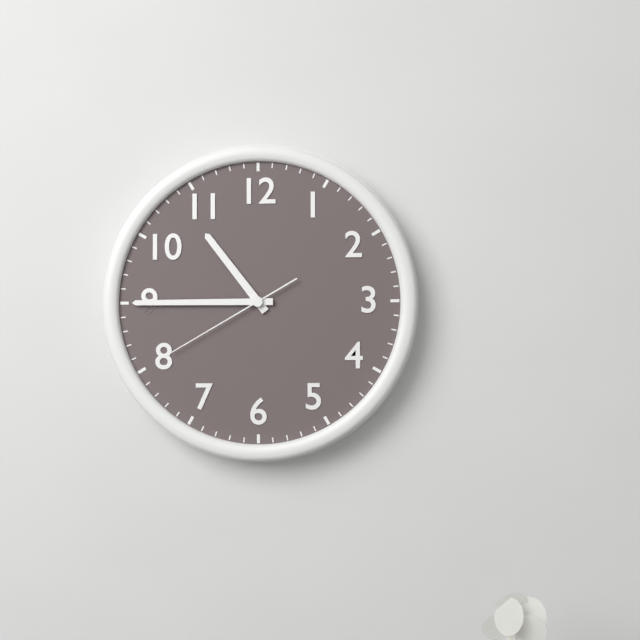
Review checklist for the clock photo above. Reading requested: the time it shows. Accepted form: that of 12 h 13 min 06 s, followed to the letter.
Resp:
10 h 45 min 40 s
